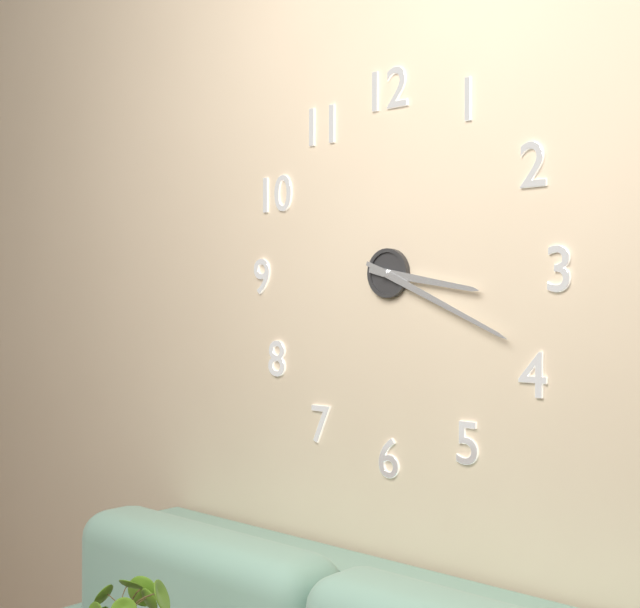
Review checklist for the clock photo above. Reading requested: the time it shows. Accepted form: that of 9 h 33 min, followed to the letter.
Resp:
3 h 19 min
